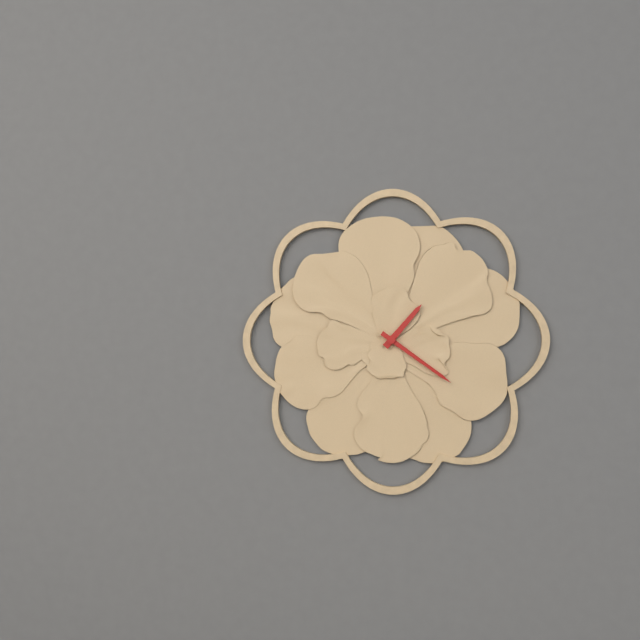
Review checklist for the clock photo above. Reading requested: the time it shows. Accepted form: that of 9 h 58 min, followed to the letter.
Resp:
1 h 21 min
